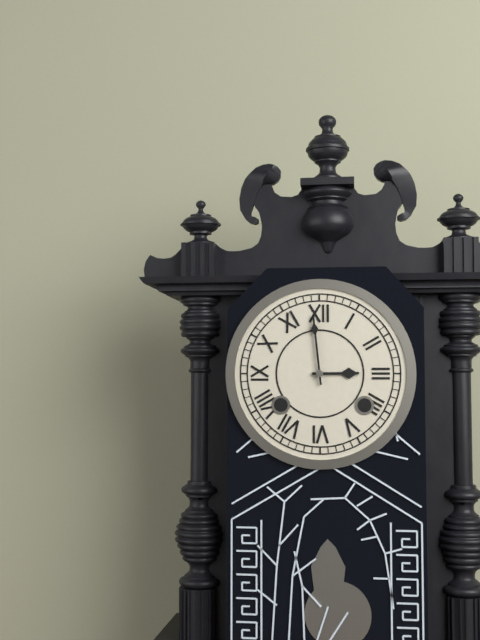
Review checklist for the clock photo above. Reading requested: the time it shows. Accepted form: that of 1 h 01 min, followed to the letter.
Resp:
2 h 59 min
